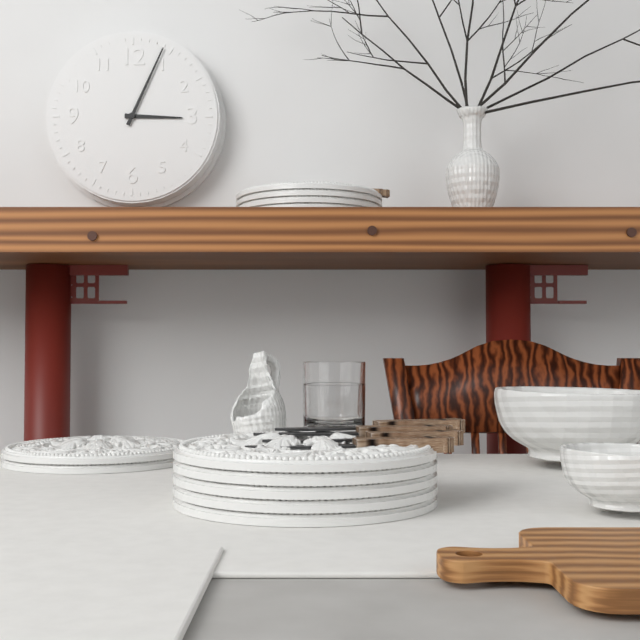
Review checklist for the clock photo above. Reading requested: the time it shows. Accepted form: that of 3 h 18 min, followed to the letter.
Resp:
3 h 04 min
